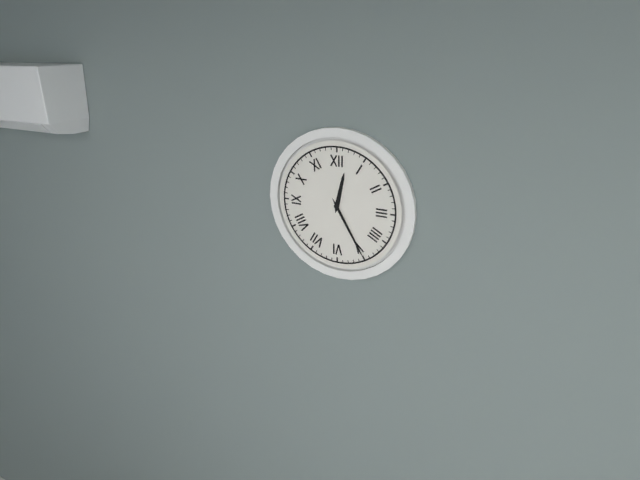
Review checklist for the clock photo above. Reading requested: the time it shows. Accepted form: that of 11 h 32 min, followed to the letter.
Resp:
12 h 25 min
